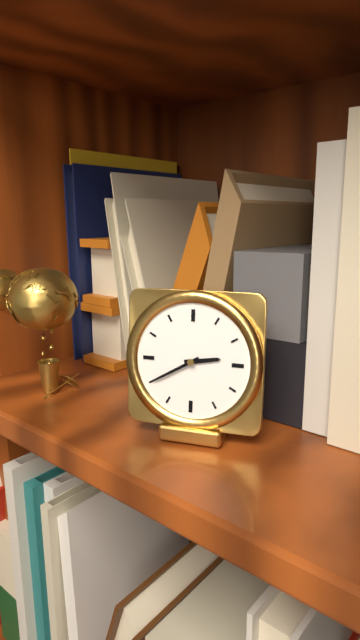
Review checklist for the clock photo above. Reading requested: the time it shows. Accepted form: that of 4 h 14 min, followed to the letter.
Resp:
2 h 40 min
